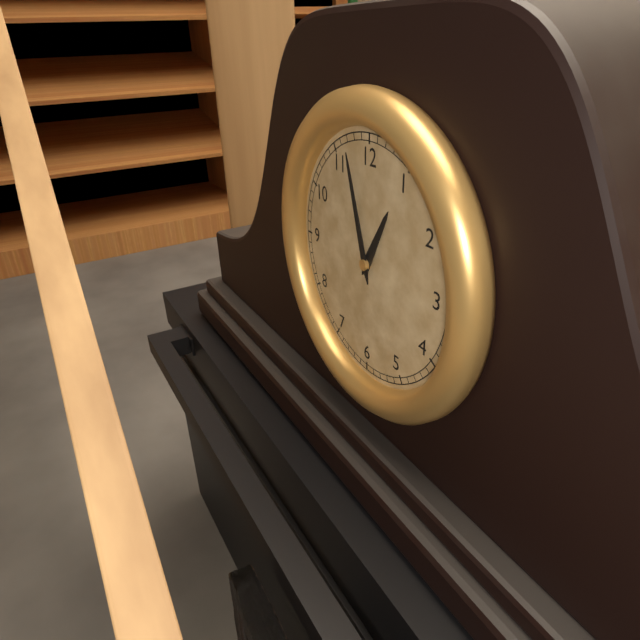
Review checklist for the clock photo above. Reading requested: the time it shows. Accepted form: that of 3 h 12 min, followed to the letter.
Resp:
12 h 57 min
